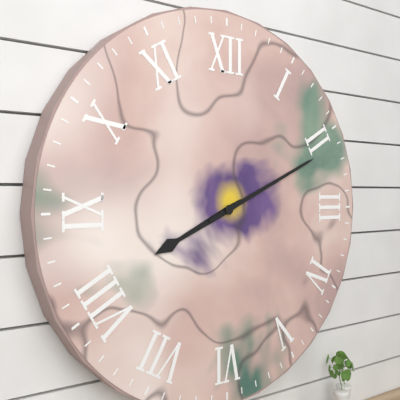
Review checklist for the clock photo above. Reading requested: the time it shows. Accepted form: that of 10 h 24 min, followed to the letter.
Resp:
8 h 11 min
